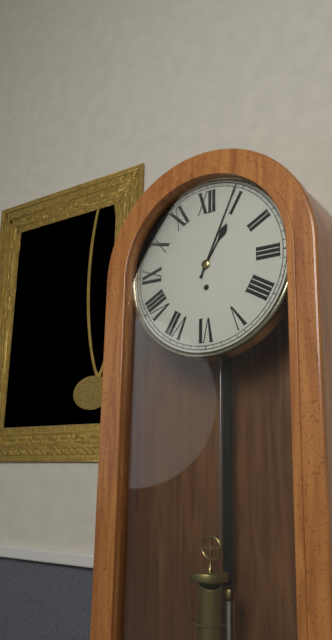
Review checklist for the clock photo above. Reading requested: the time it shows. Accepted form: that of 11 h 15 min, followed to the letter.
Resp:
1 h 04 min
